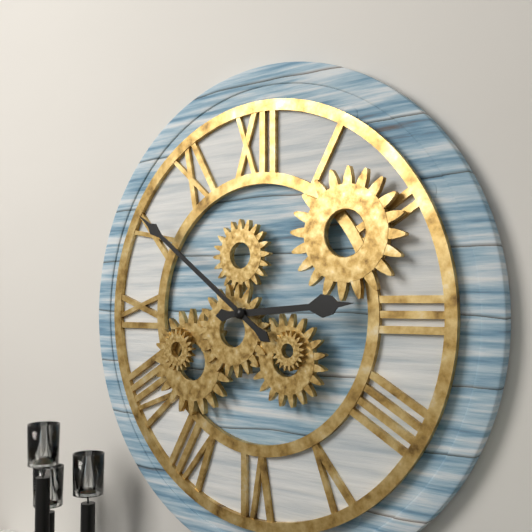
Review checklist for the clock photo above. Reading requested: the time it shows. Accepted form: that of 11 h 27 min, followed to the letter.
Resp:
2 h 51 min
